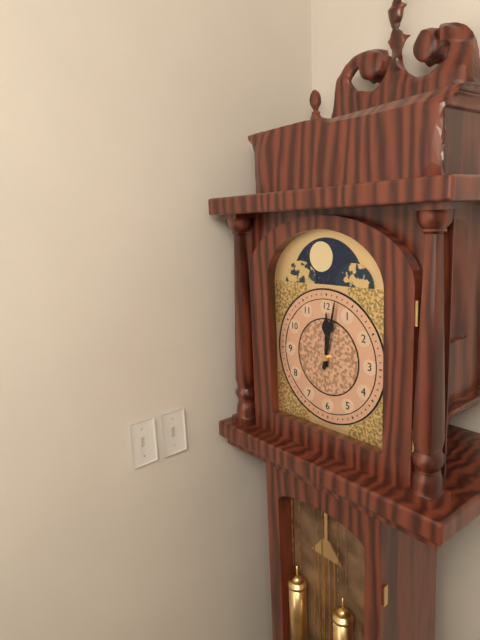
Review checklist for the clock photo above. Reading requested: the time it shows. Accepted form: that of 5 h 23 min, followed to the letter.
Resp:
12 h 02 min
